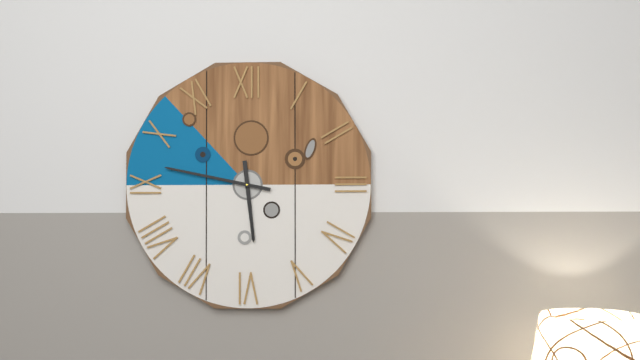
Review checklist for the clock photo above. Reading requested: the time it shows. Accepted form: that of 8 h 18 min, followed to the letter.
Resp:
5 h 47 min
